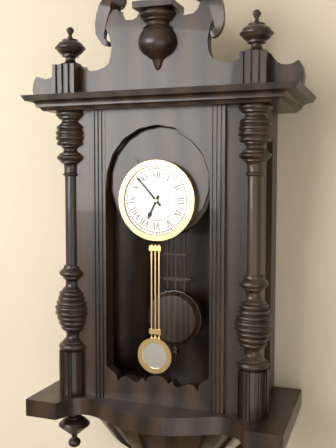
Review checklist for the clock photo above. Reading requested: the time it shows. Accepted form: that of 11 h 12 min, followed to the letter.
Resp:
6 h 53 min
